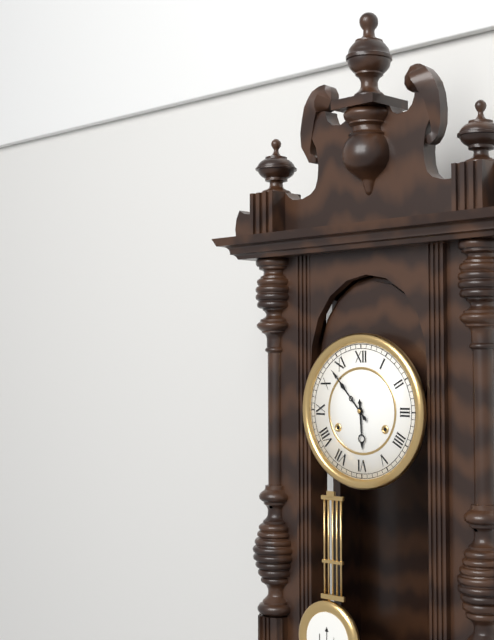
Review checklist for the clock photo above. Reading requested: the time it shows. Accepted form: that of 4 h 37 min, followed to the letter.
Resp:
5 h 53 min
